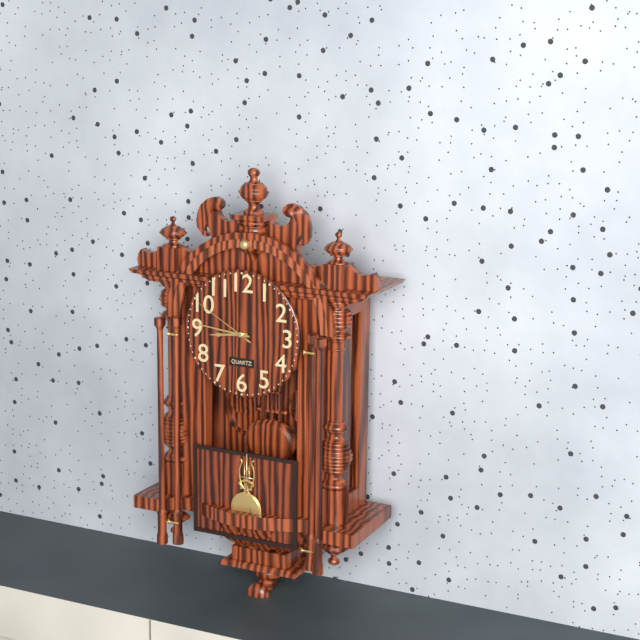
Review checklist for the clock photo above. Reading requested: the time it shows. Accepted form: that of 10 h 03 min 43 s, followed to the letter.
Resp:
8 h 46 min 50 s
